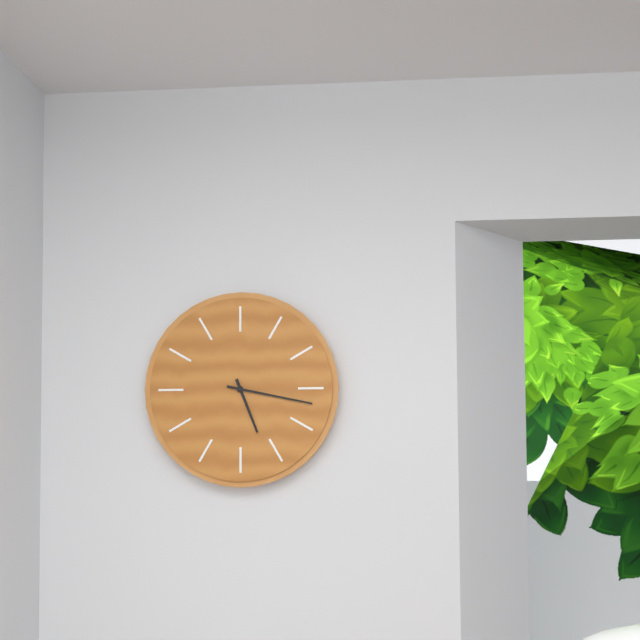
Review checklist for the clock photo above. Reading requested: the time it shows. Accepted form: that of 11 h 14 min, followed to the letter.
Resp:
5 h 17 min
